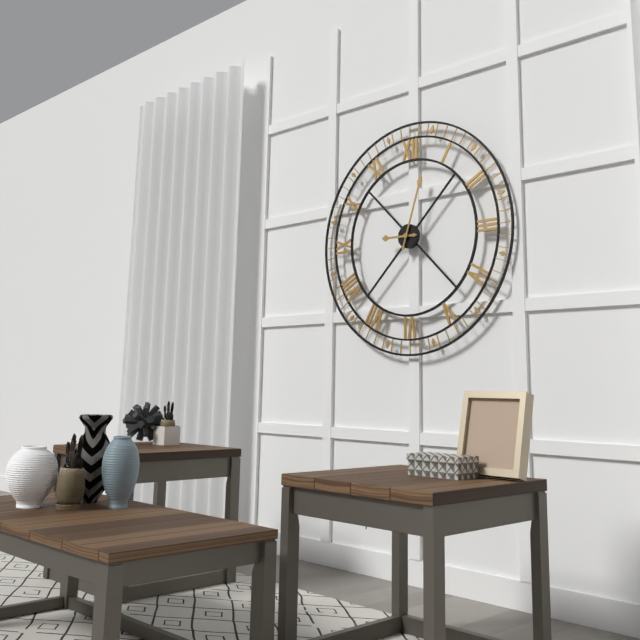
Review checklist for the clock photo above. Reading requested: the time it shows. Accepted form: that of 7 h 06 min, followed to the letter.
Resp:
9 h 03 min
